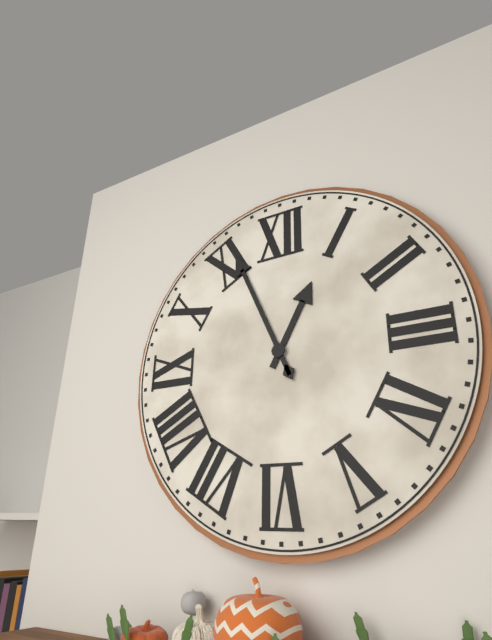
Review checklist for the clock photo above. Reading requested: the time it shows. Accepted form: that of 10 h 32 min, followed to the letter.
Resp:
12 h 56 min
